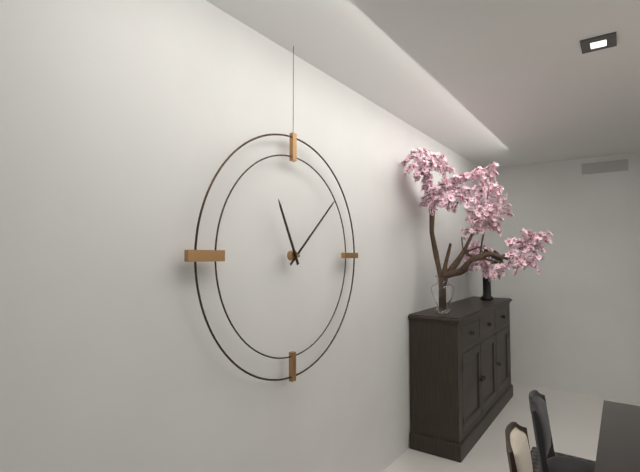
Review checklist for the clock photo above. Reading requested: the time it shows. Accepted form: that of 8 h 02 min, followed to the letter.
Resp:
11 h 08 min
